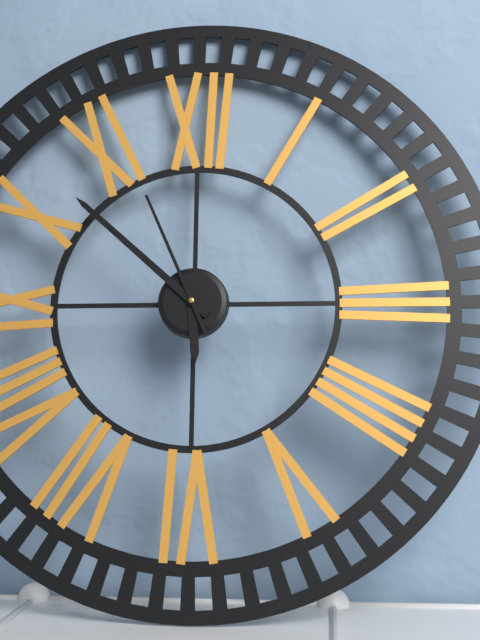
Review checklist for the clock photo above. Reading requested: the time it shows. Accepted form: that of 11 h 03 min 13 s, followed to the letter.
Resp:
5 h 52 min 56 s
